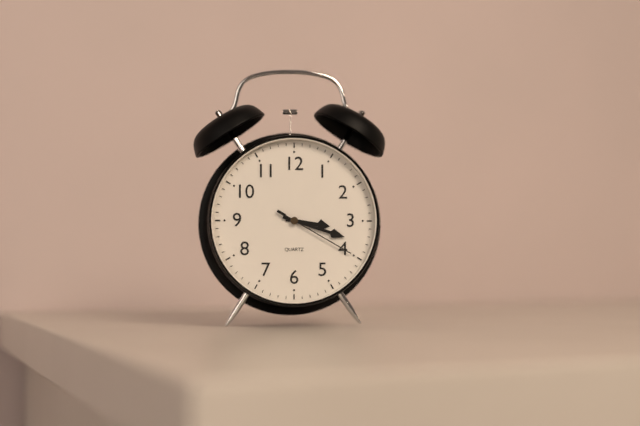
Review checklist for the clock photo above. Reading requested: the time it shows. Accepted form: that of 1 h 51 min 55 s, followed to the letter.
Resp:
3 h 18 min 20 s
